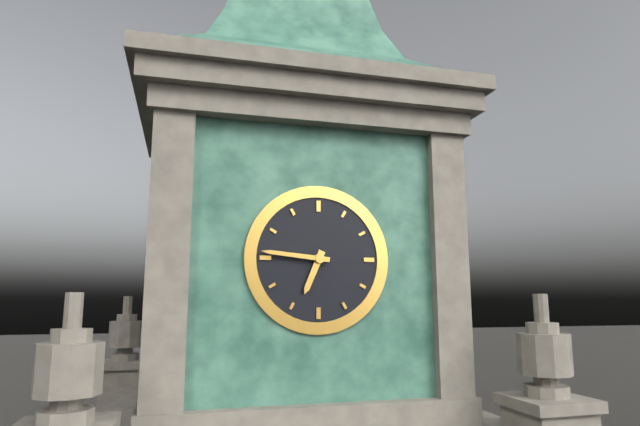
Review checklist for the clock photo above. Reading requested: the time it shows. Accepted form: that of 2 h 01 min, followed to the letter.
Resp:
6 h 46 min
